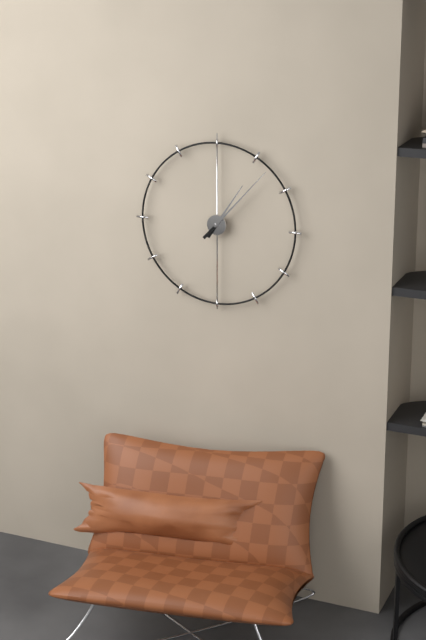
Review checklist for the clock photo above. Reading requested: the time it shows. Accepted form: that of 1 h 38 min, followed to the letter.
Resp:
1 h 07 min
